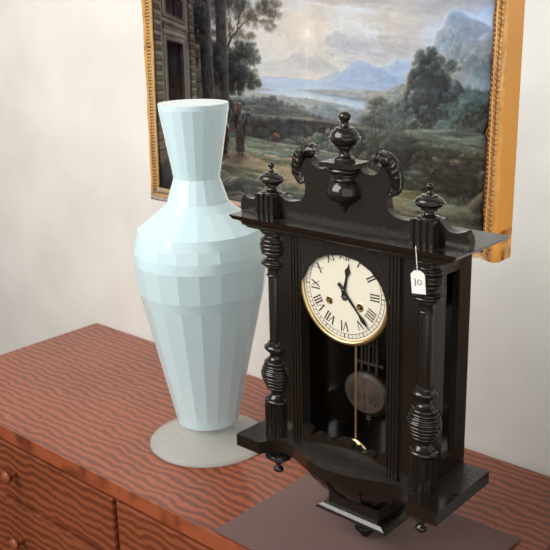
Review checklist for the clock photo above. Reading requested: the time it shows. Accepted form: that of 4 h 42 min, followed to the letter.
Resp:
12 h 23 min
